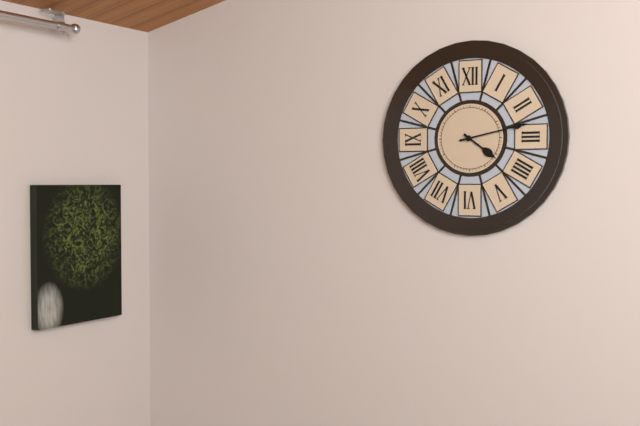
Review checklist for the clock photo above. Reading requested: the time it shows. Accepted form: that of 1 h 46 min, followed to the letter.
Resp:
4 h 13 min
